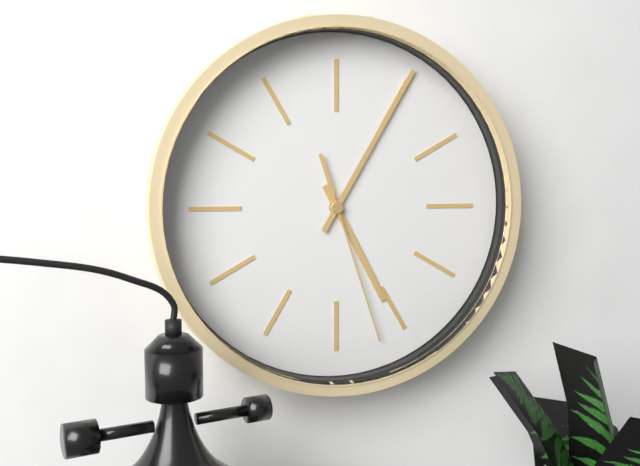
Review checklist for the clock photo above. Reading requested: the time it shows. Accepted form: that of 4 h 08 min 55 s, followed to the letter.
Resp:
5 h 05 min 27 s
